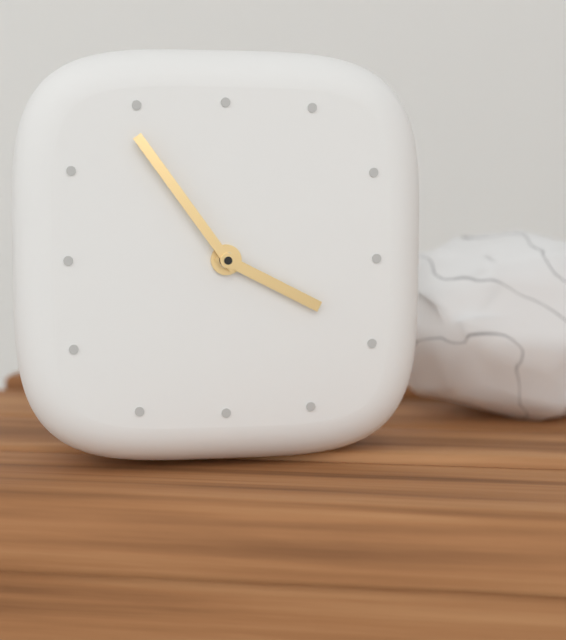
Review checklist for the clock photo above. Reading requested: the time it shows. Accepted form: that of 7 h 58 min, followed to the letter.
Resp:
3 h 54 min
